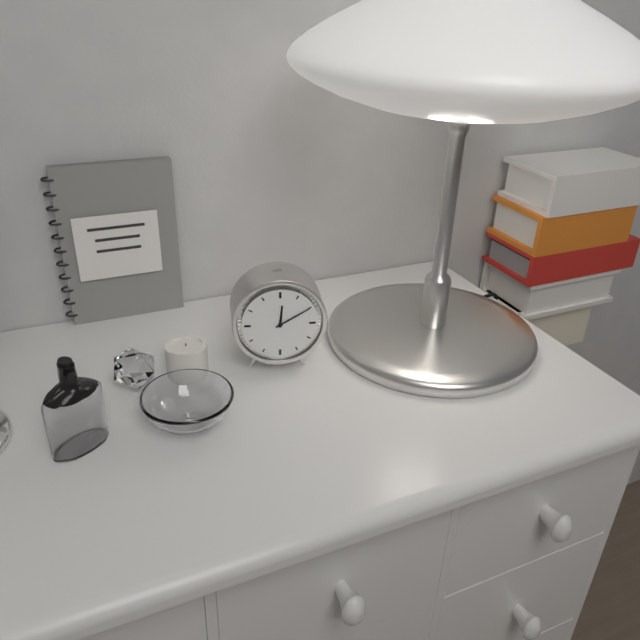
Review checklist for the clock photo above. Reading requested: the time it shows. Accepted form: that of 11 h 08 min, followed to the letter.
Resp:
12 h 10 min
